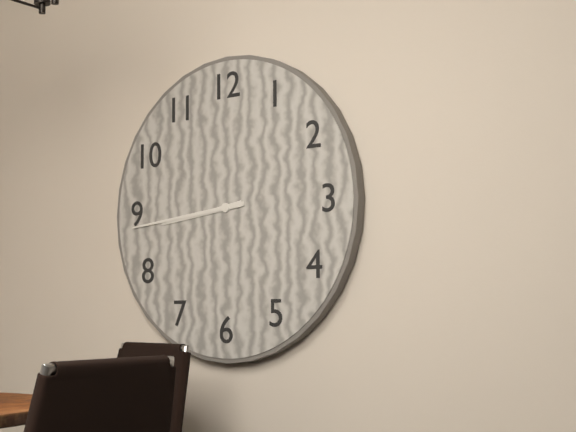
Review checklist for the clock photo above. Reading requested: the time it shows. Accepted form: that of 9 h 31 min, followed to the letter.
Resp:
8 h 44 min
